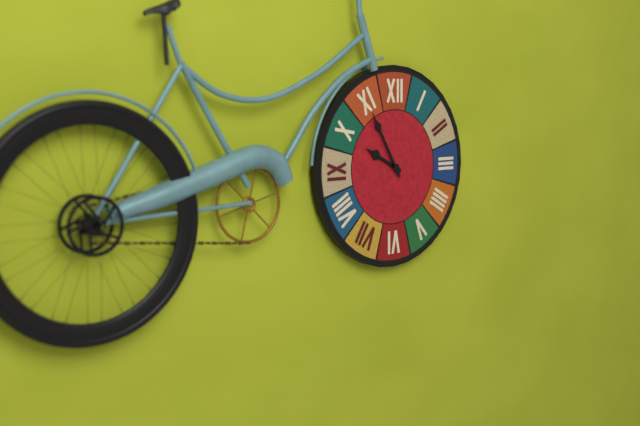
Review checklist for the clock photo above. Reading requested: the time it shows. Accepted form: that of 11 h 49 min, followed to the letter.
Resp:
9 h 55 min
